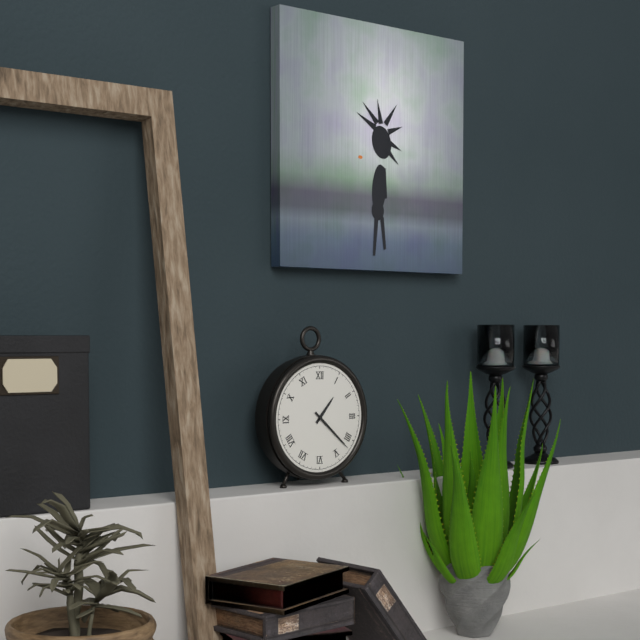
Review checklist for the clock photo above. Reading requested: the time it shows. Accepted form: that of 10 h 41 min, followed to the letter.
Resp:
1 h 22 min
